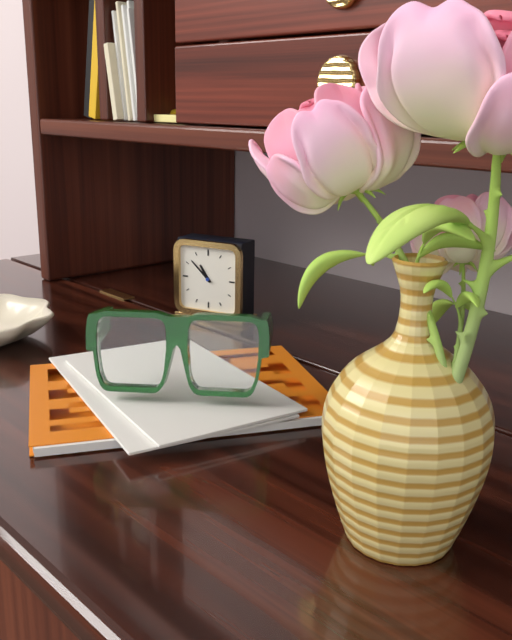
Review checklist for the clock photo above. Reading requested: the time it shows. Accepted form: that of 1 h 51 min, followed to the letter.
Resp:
10 h 52 min
